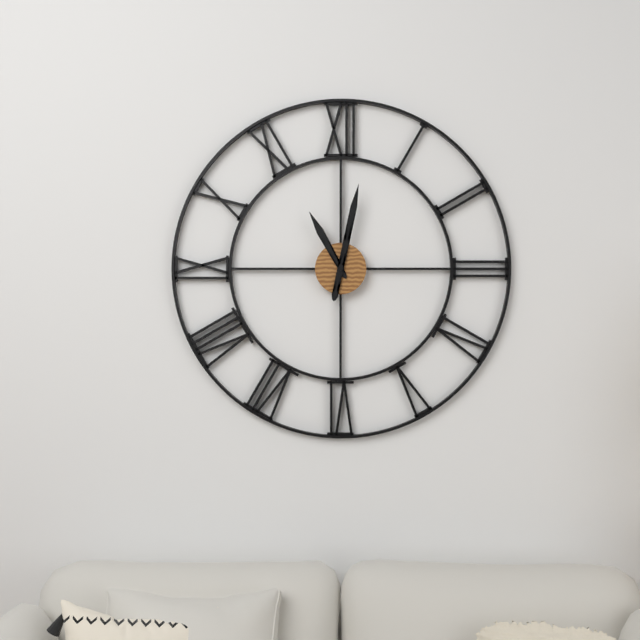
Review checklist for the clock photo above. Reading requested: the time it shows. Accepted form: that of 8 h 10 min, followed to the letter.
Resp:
11 h 02 min
